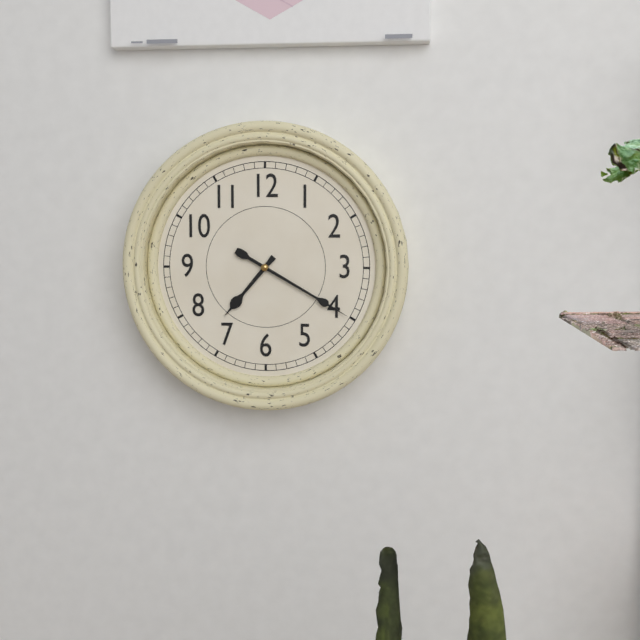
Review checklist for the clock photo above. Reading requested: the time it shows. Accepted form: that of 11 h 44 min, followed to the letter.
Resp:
7 h 20 min
